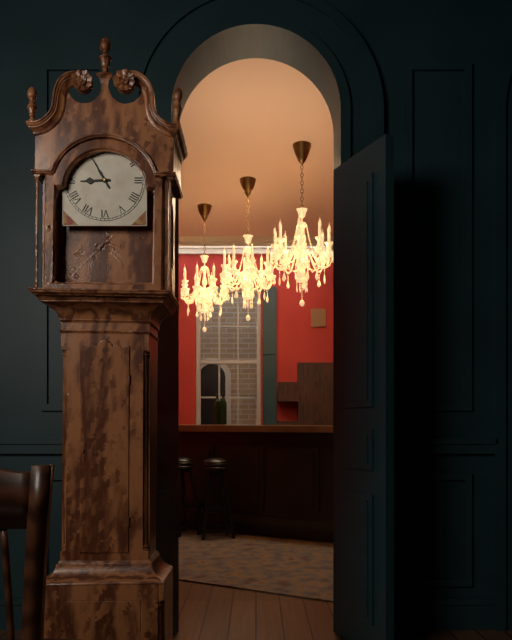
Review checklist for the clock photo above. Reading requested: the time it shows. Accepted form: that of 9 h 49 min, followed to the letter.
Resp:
8 h 55 min
